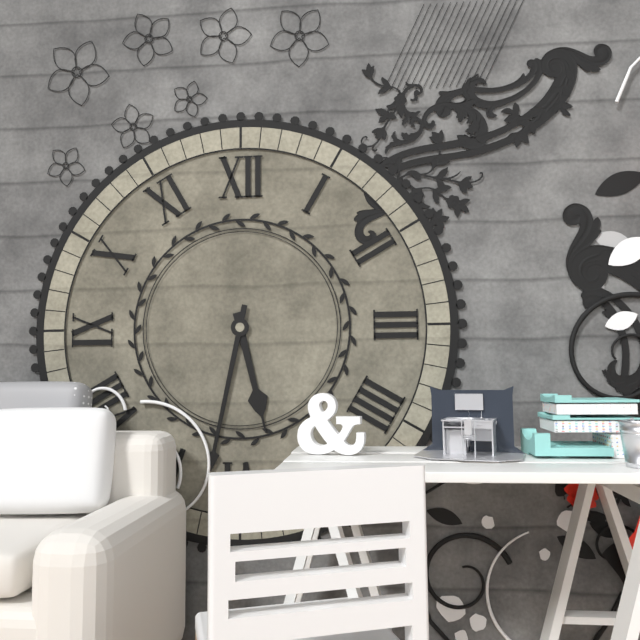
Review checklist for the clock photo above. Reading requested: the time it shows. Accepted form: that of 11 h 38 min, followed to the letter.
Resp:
5 h 32 min
